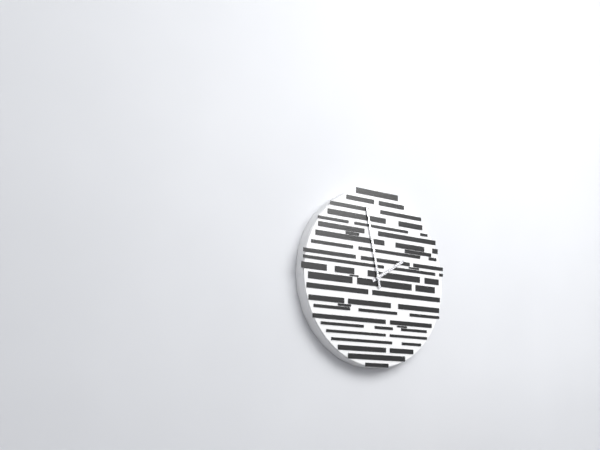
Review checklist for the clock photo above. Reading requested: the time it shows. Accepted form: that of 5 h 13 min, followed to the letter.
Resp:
1 h 58 min
